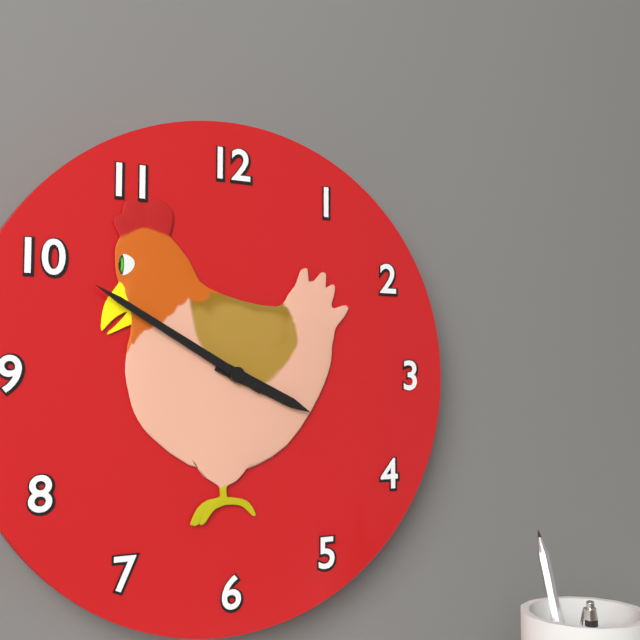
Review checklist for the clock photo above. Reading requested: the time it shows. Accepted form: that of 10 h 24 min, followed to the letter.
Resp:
3 h 50 min
